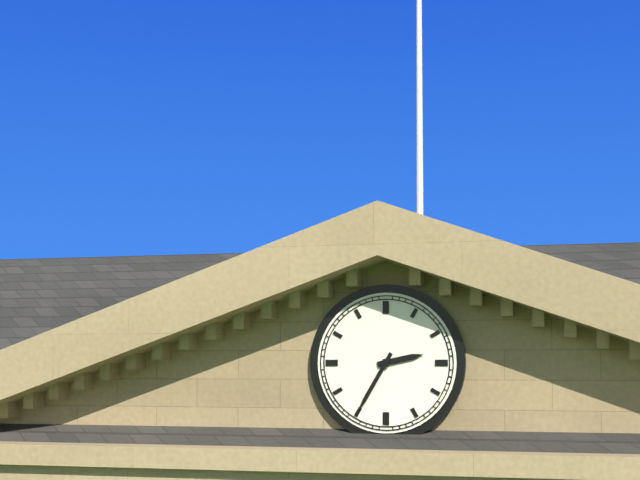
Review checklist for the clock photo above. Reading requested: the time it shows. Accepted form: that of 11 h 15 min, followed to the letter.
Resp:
2 h 35 min
